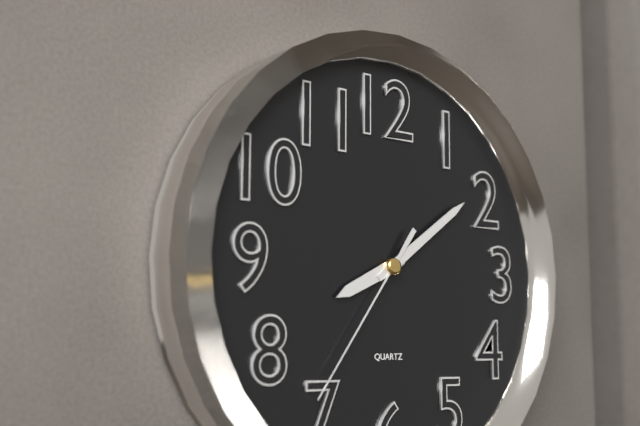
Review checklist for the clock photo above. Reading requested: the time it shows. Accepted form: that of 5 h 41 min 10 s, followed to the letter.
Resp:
8 h 09 min 36 s
